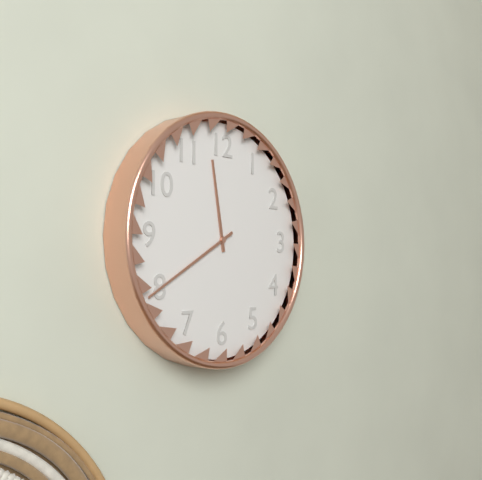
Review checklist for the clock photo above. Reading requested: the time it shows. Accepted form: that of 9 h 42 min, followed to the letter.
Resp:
11 h 40 min
